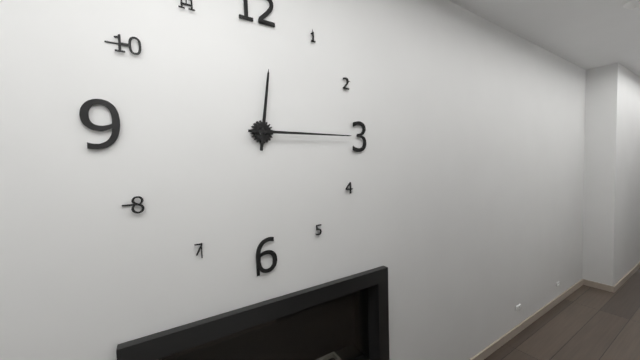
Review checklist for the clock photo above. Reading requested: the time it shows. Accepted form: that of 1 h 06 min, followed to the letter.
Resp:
12 h 15 min
